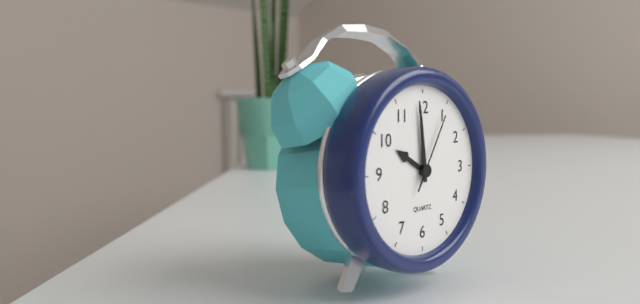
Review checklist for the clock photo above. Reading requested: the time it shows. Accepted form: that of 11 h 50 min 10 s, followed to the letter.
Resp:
9 h 59 min 05 s
